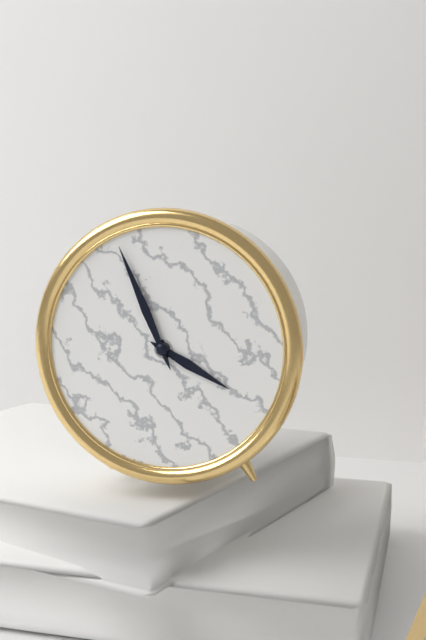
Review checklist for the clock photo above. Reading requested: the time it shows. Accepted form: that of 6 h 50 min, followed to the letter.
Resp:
3 h 56 min
